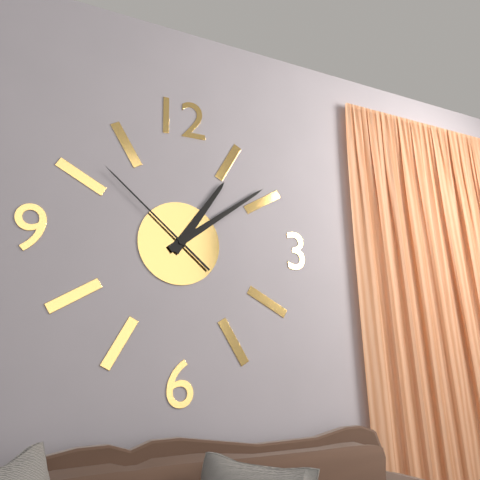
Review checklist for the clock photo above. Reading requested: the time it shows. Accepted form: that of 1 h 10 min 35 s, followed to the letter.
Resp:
1 h 09 min 52 s
